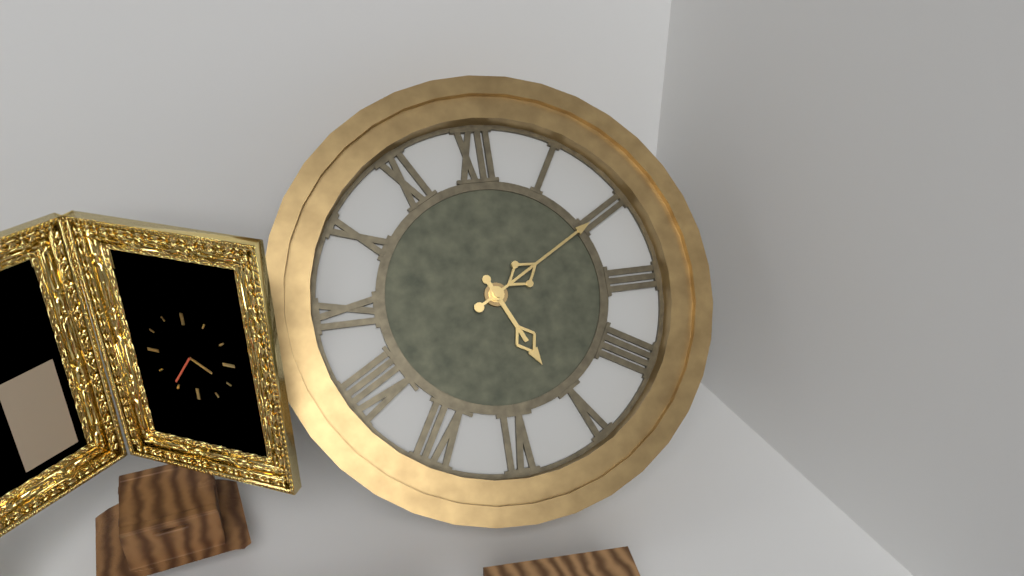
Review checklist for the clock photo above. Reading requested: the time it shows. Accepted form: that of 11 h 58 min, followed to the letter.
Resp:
5 h 10 min
